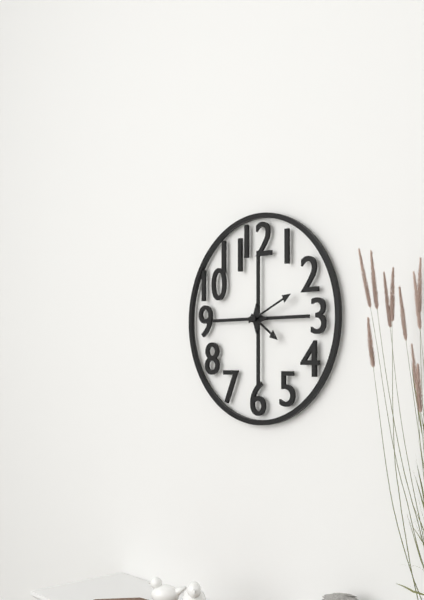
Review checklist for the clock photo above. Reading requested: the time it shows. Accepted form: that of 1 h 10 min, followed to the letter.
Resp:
4 h 11 min
